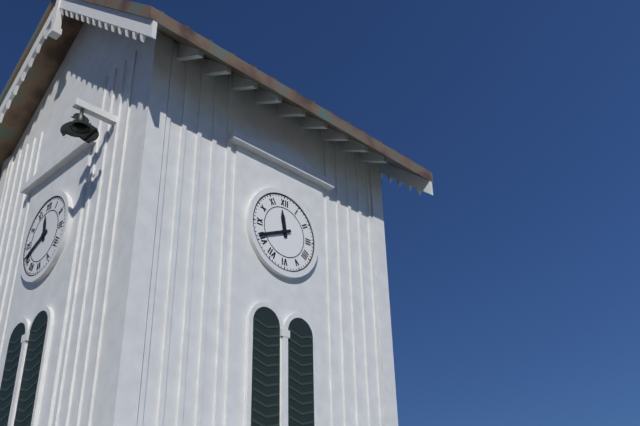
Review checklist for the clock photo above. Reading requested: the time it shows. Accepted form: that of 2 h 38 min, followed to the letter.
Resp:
11 h 41 min
